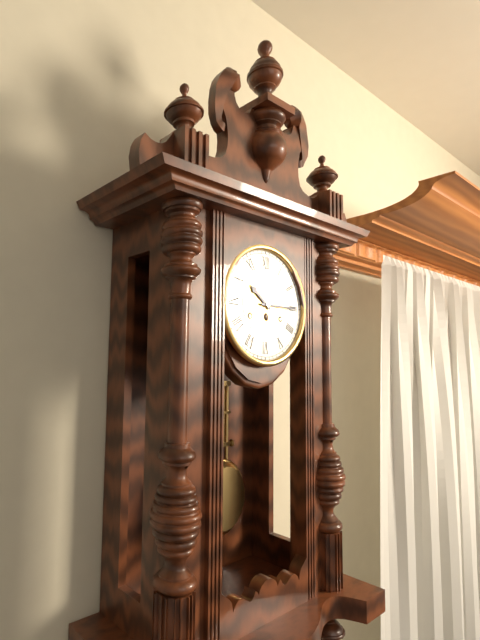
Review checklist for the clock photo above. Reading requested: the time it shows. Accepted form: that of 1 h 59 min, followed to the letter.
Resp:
10 h 15 min
